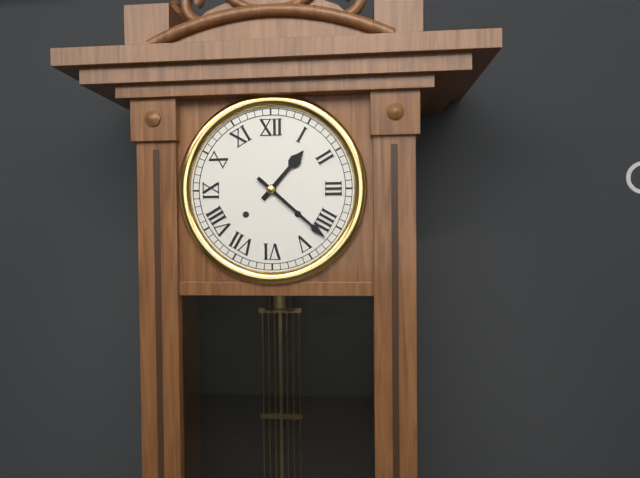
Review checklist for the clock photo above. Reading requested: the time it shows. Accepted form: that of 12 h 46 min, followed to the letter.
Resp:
1 h 22 min
